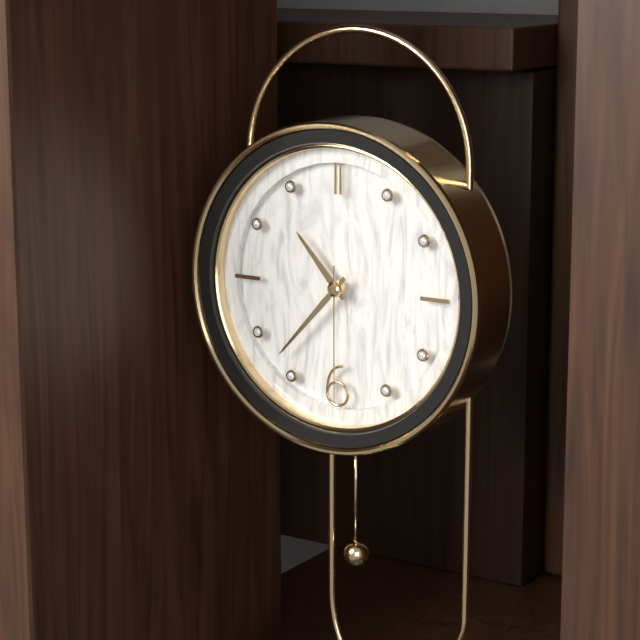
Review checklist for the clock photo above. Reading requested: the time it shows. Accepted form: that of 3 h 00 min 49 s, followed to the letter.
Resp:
10 h 37 min 30 s
